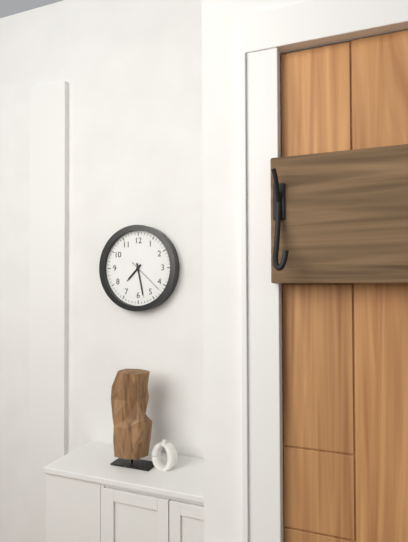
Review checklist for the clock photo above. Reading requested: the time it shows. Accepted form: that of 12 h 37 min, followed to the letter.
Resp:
7 h 28 min
